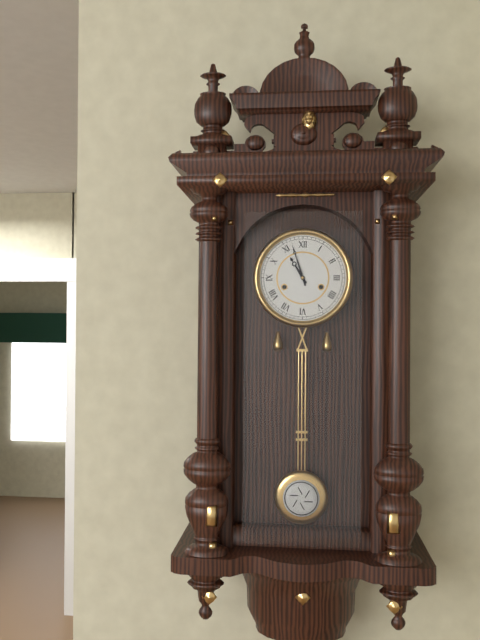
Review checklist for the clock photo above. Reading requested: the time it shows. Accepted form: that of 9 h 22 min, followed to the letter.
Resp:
10 h 57 min
